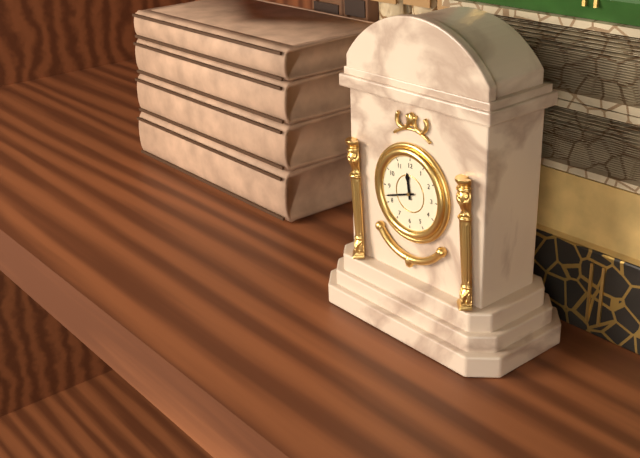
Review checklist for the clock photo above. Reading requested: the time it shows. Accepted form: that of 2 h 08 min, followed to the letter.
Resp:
11 h 42 min
